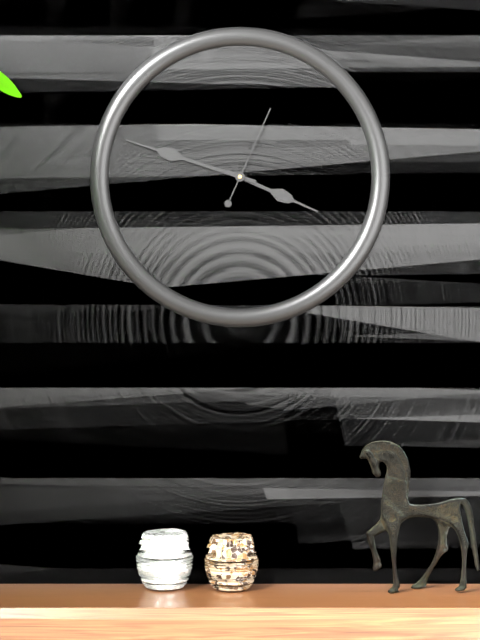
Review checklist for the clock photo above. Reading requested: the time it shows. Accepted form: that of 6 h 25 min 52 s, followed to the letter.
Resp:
3 h 48 min 04 s
